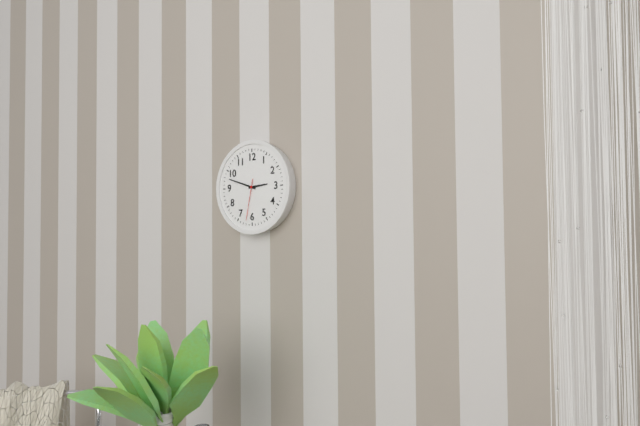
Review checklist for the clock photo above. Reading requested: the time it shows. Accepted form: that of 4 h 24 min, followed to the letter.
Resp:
2 h 48 min
